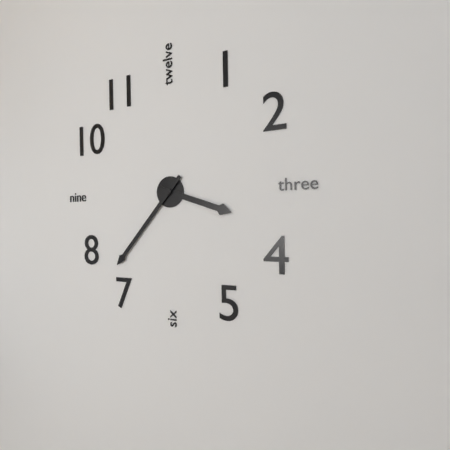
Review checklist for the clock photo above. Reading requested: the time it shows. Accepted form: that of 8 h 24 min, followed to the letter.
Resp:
3 h 37 min
